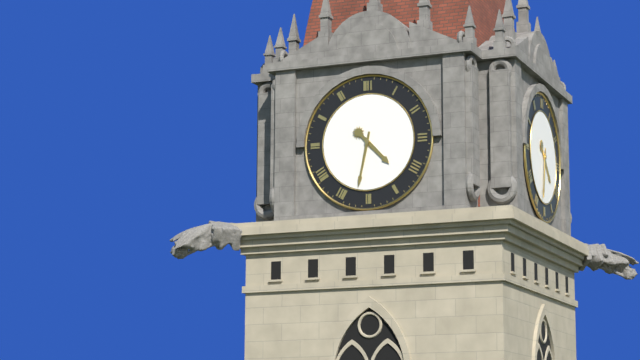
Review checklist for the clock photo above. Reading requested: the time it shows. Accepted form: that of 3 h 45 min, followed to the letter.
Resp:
4 h 32 min
